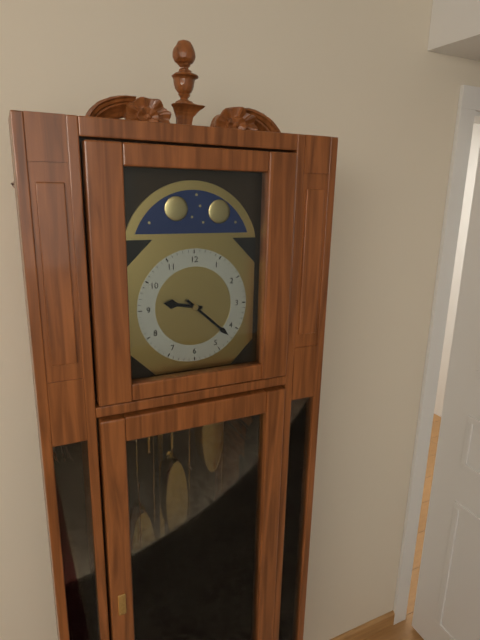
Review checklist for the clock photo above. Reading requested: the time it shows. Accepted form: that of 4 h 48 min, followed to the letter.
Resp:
9 h 22 min
